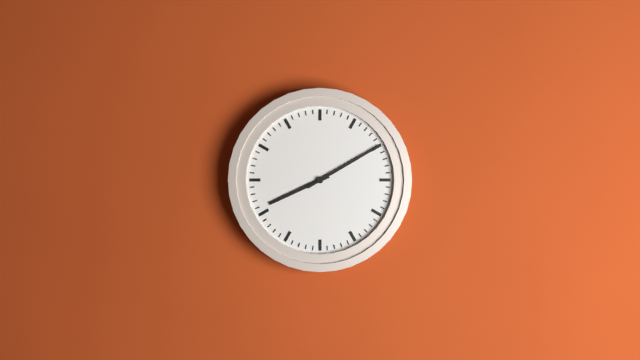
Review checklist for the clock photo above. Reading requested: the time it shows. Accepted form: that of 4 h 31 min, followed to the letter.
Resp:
8 h 10 min
